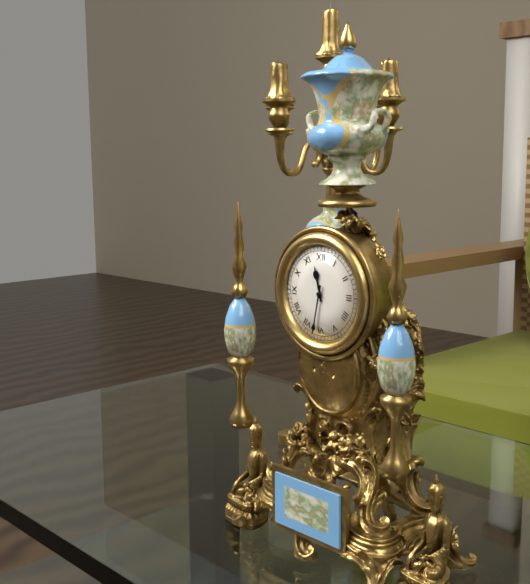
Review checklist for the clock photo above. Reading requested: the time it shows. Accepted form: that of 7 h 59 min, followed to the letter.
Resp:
11 h 32 min
